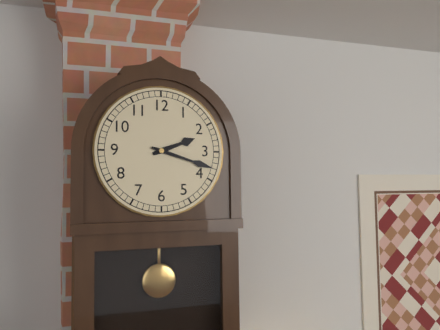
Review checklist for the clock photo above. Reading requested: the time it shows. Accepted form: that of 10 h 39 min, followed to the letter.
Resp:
2 h 18 min
